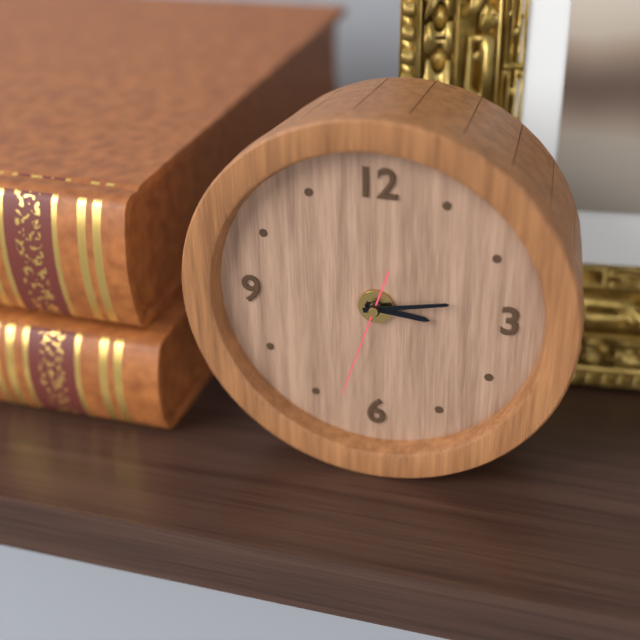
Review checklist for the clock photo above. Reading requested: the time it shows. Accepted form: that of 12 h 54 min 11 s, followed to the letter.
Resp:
3 h 13 min 33 s
